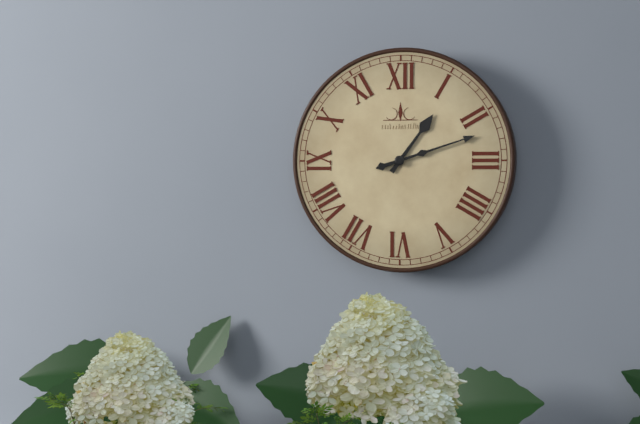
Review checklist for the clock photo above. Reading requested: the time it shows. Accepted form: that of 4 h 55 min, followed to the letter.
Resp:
1 h 12 min
